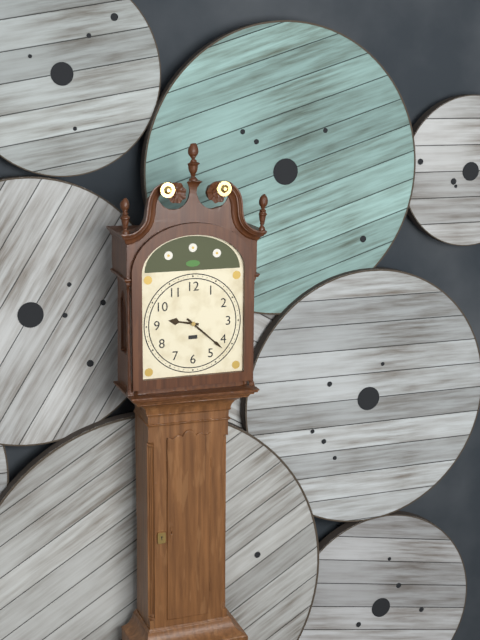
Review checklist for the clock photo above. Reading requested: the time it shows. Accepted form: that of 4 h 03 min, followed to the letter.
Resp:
9 h 22 min
